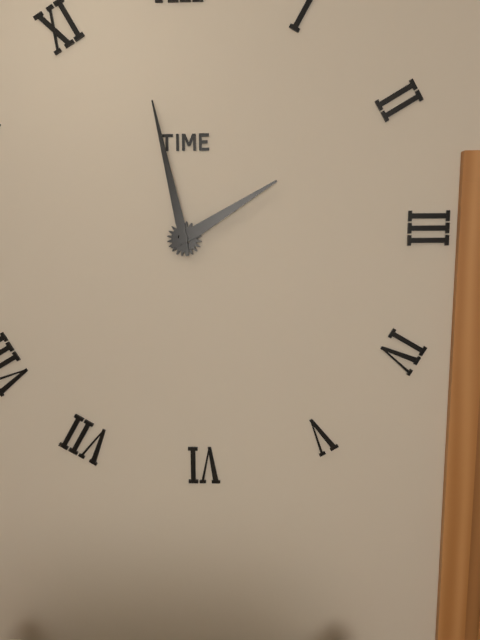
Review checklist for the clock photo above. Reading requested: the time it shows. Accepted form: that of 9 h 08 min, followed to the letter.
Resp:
1 h 58 min
